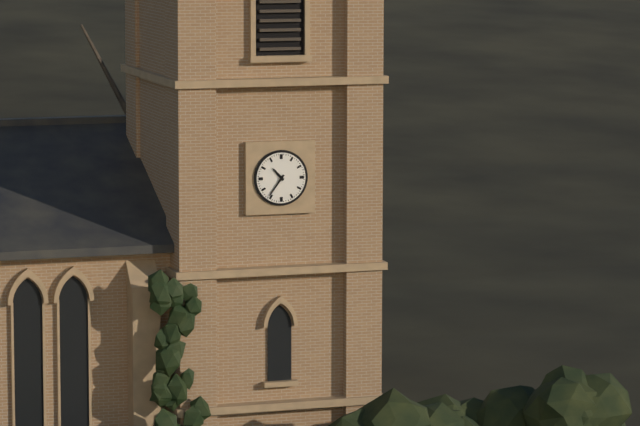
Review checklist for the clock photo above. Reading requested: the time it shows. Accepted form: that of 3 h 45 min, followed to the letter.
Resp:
10 h 36 min
